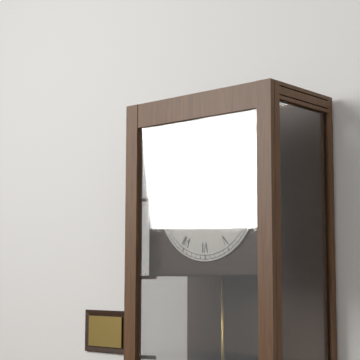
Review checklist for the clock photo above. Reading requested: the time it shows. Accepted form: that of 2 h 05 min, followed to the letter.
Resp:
11 h 12 min
